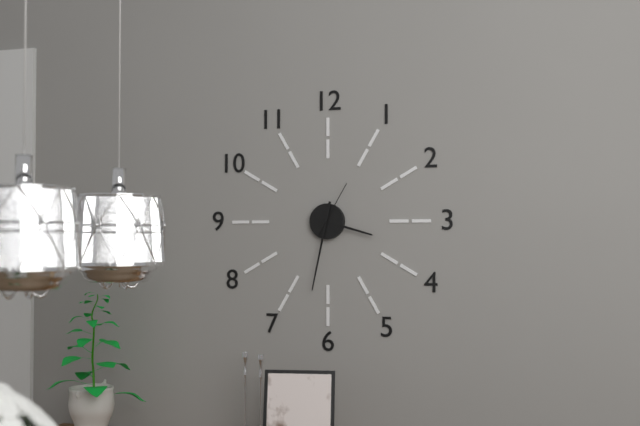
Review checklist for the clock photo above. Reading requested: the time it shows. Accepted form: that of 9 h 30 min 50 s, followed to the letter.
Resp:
3 h 32 min 05 s
